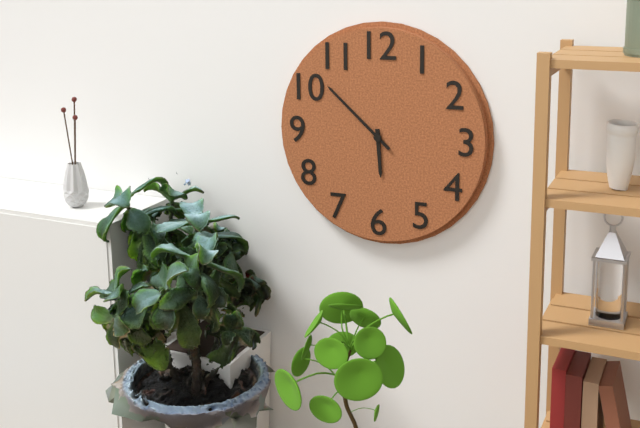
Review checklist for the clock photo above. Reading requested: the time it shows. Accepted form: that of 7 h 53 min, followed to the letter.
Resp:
5 h 52 min
